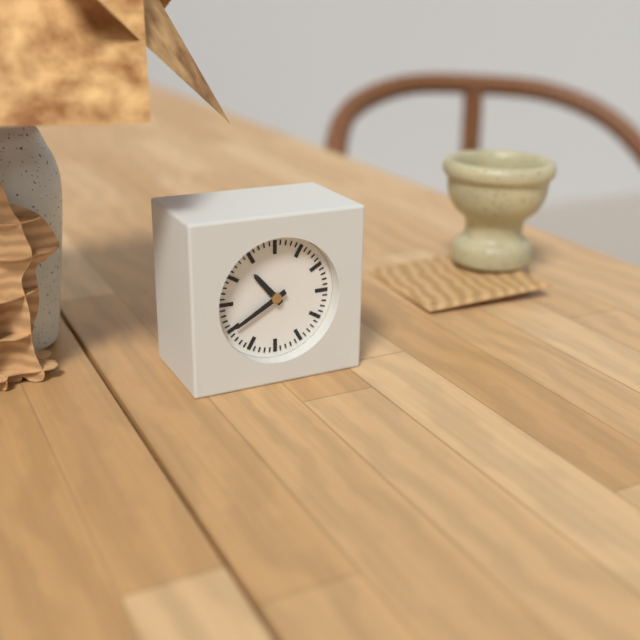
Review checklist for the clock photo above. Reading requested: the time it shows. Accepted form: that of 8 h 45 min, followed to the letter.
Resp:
10 h 40 min
